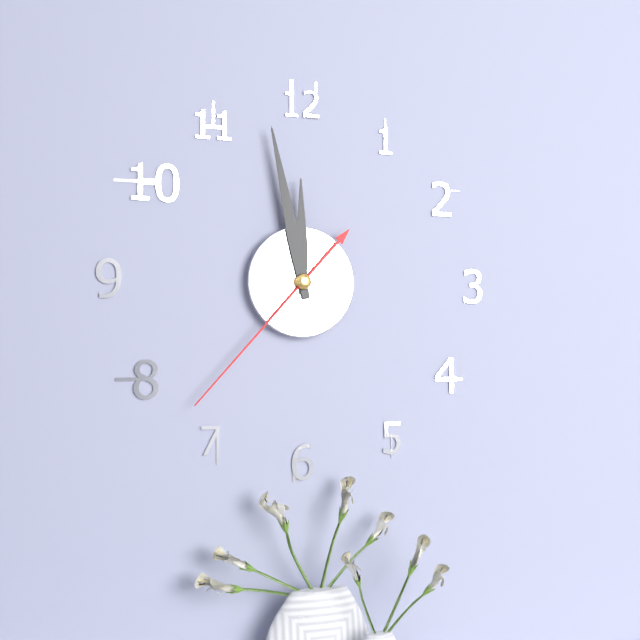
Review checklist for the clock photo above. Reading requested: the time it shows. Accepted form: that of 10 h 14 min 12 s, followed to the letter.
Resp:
11 h 58 min 37 s
